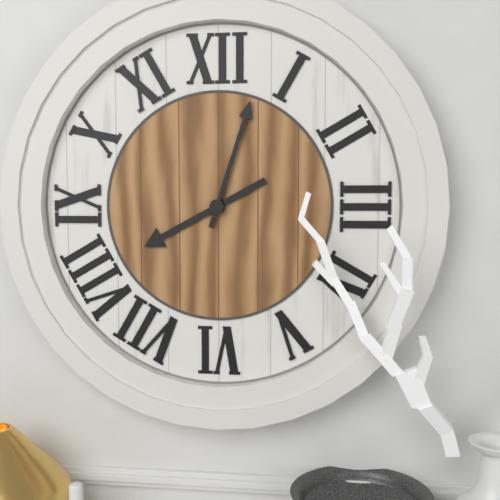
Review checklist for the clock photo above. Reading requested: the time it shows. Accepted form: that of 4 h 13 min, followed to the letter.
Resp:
8 h 03 min
